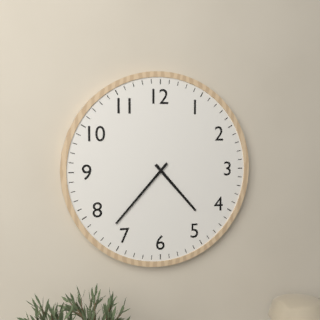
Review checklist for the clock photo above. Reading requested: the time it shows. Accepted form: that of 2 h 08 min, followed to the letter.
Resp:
4 h 37 min
